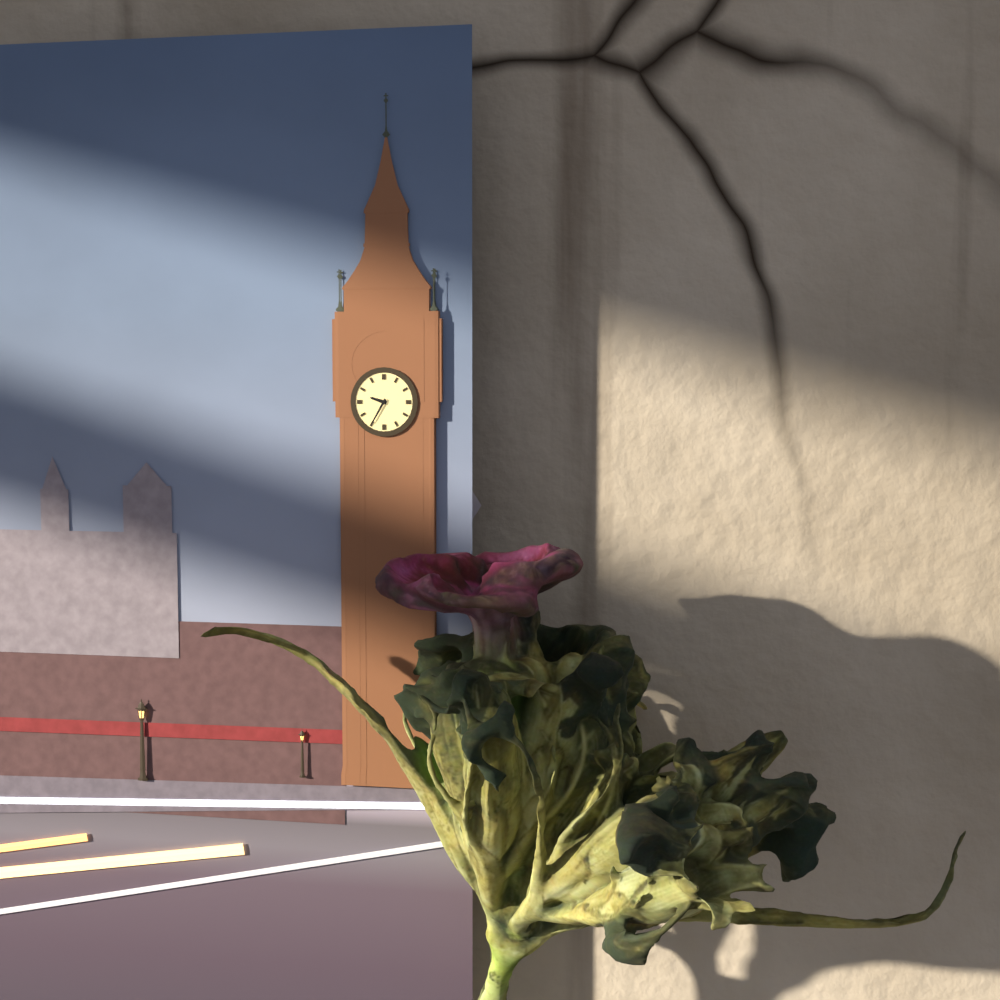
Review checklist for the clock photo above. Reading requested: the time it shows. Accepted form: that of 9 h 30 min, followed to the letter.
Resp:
9 h 35 min
